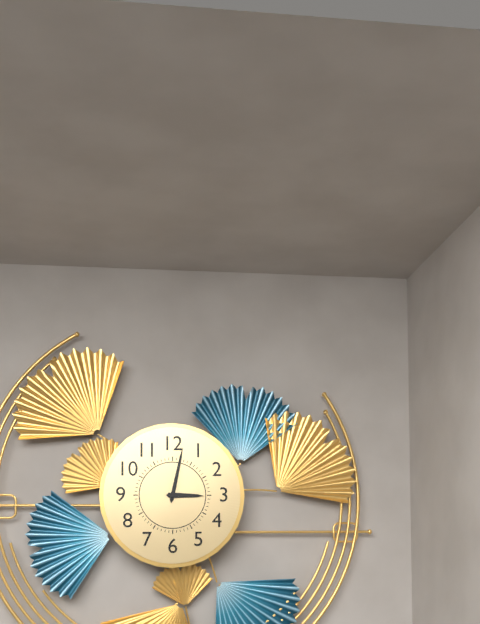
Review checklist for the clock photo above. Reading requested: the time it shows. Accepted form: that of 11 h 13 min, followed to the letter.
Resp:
3 h 02 min
